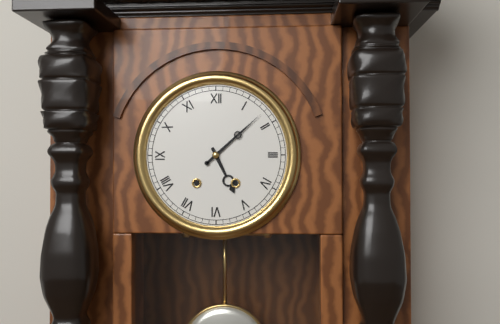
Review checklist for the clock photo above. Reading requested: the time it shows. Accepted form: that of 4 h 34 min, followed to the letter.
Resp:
5 h 08 min
